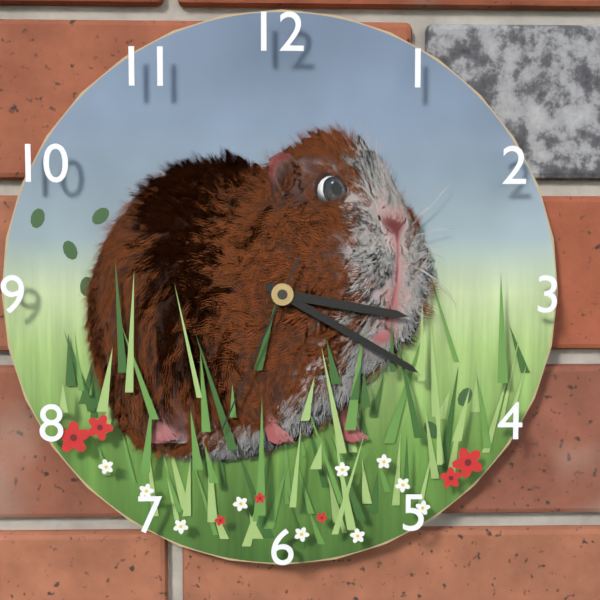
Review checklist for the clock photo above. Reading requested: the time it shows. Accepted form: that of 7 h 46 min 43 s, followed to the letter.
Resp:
3 h 20 min 34 s
